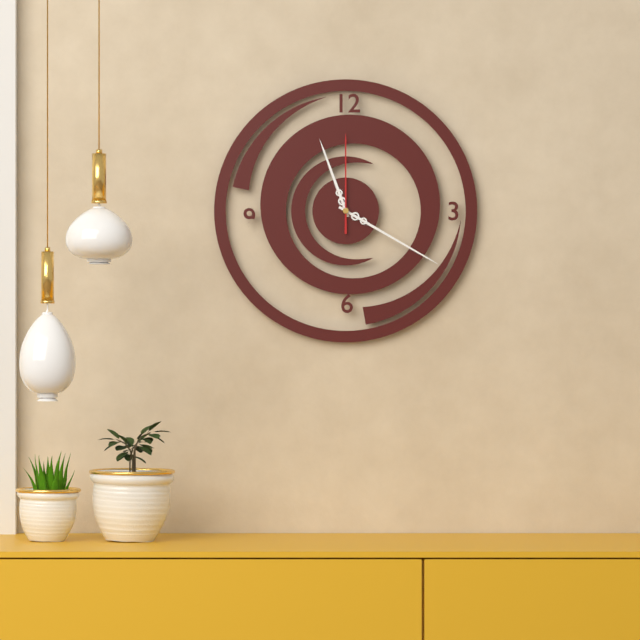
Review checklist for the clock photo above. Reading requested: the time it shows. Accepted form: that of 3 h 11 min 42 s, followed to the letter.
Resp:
11 h 20 min 00 s
